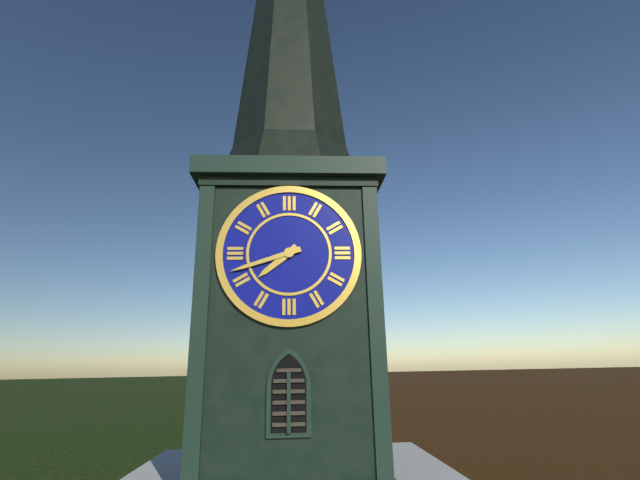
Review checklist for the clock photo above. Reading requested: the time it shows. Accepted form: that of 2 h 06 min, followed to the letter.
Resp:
7 h 42 min
